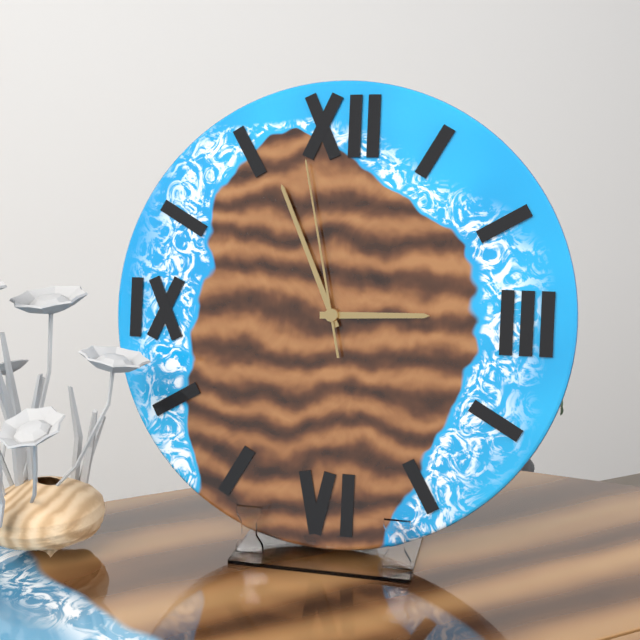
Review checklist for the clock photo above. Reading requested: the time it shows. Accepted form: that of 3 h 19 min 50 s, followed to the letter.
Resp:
2 h 56 min 58 s
